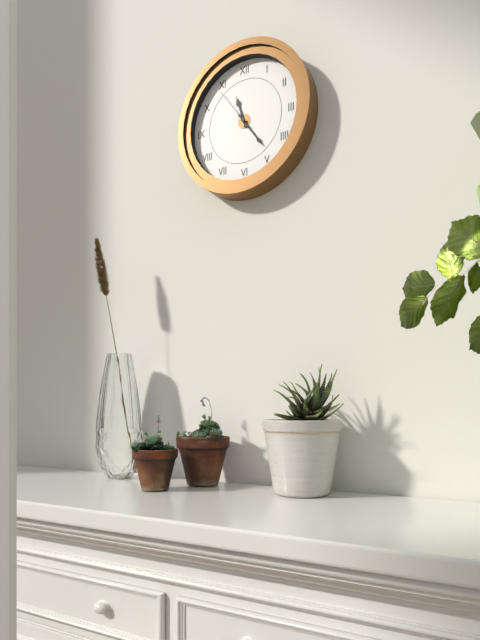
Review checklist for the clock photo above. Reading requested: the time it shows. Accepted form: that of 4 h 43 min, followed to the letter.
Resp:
11 h 24 min
